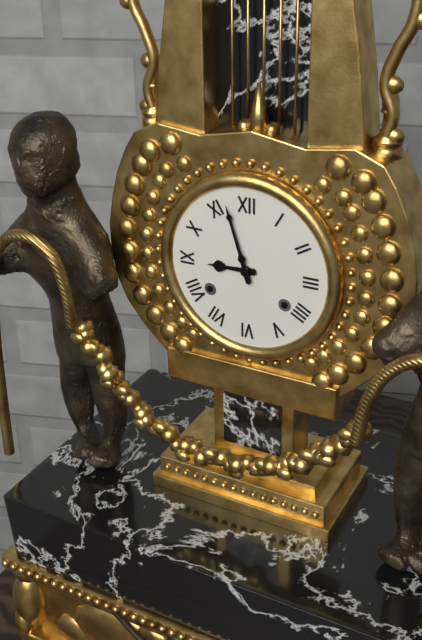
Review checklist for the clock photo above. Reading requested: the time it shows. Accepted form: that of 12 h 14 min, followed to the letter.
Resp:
8 h 57 min
